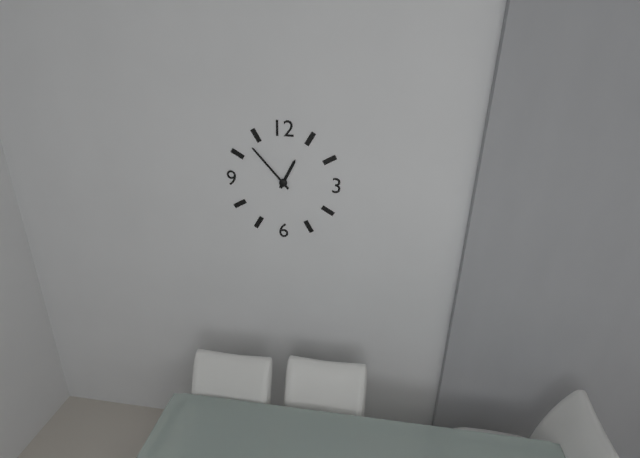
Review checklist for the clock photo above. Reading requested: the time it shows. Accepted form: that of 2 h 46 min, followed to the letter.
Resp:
12 h 53 min
